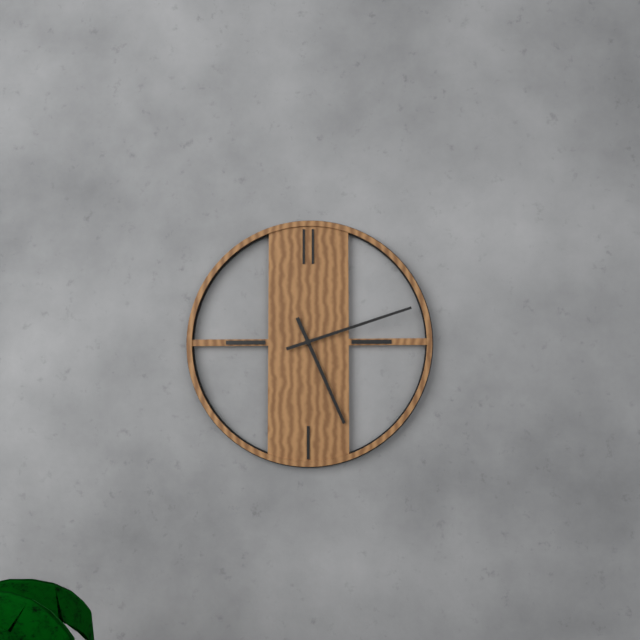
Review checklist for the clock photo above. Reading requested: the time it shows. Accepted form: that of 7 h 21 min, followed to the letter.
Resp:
5 h 12 min
